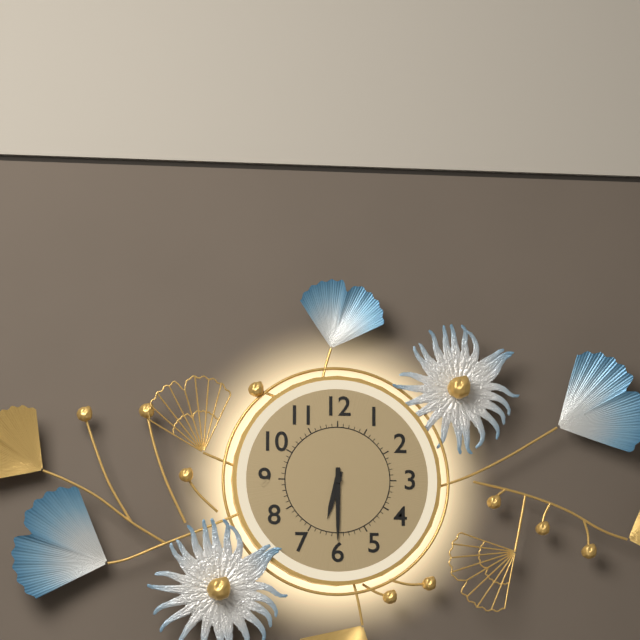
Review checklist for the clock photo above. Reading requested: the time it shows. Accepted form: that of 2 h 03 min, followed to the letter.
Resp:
6 h 30 min
